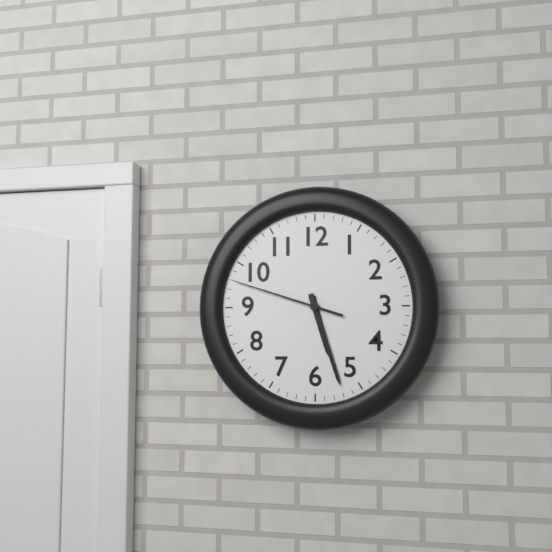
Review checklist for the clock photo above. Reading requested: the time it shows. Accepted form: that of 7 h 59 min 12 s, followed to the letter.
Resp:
5 h 27 min 48 s
